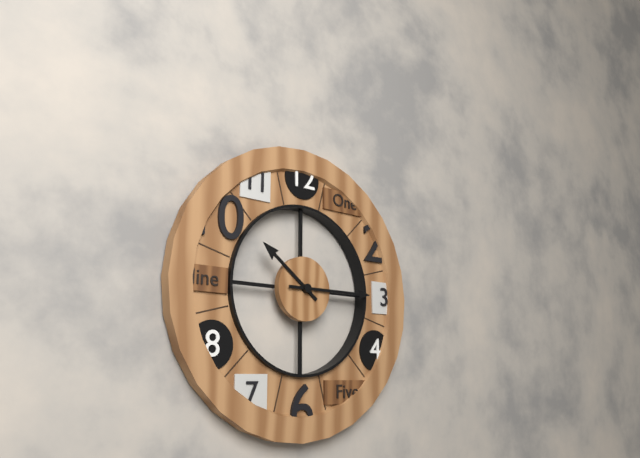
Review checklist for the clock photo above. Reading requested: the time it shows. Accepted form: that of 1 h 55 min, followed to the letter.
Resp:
10 h 15 min
